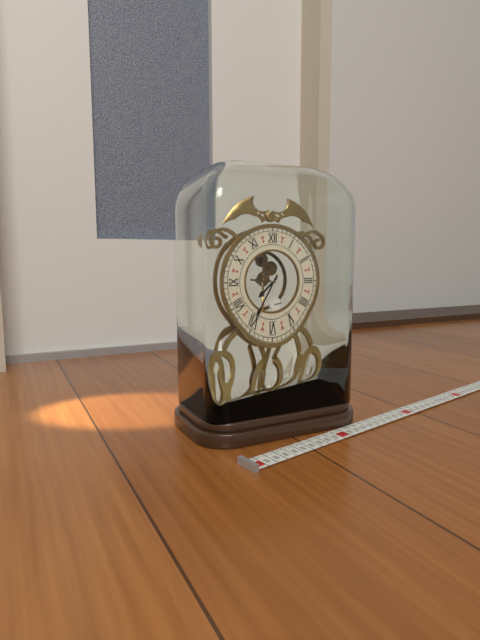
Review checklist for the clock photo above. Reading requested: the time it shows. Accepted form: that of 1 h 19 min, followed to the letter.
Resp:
7 h 35 min
